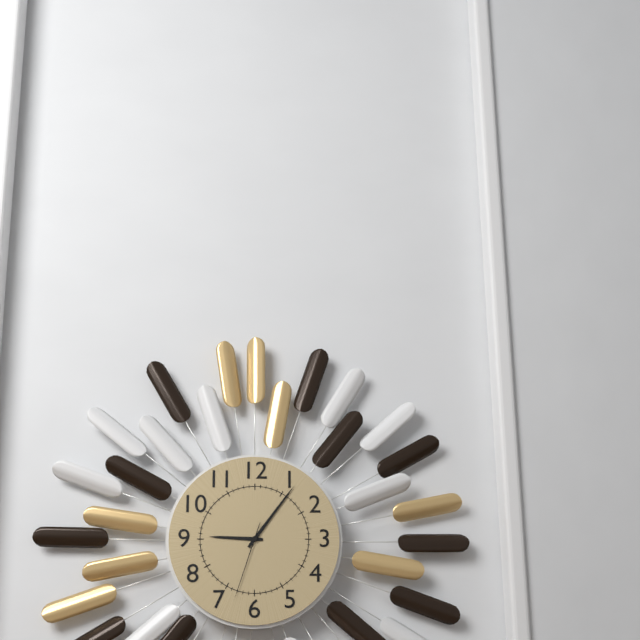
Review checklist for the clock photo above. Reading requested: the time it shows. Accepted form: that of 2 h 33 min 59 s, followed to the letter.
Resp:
9 h 06 min 33 s
